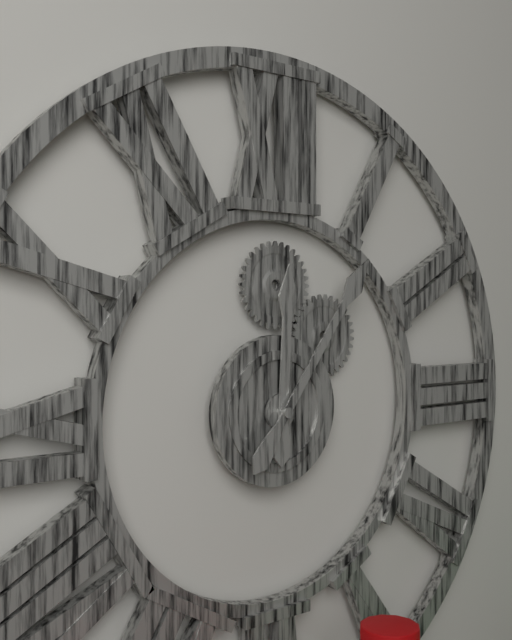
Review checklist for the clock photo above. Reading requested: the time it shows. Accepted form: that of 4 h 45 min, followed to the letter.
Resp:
12 h 06 min
